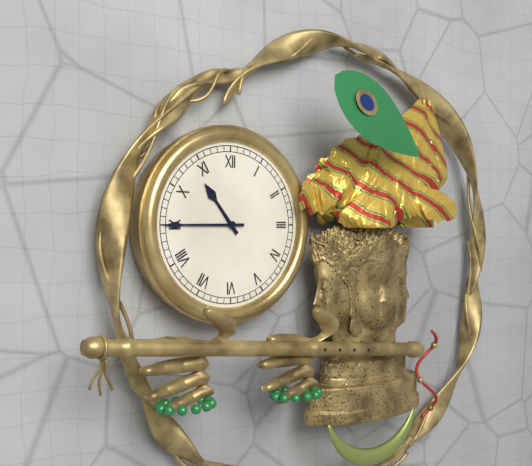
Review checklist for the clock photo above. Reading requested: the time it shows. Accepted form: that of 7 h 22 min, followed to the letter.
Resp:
10 h 45 min
